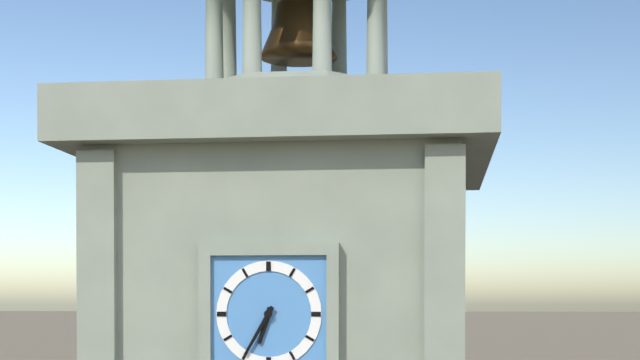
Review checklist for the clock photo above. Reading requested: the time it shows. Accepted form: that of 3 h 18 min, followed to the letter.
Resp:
6 h 35 min
